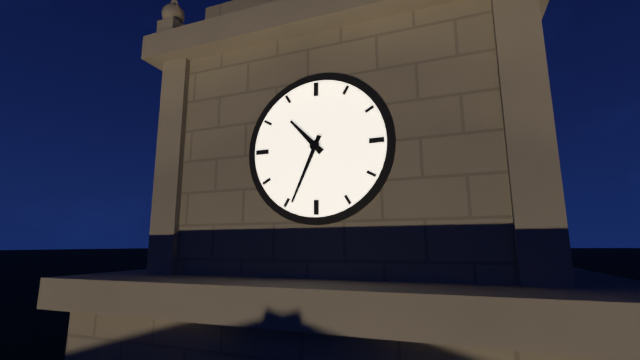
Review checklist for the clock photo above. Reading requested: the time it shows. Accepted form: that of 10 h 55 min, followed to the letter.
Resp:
10 h 34 min
